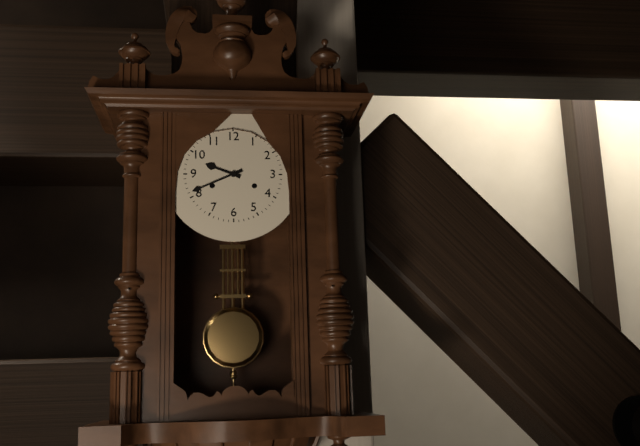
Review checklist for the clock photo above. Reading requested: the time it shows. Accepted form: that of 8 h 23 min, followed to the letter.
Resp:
9 h 41 min
